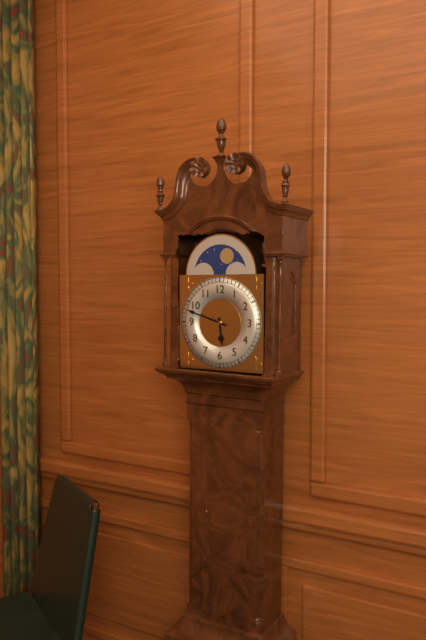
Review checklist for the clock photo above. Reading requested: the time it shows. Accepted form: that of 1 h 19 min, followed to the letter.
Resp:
5 h 48 min
